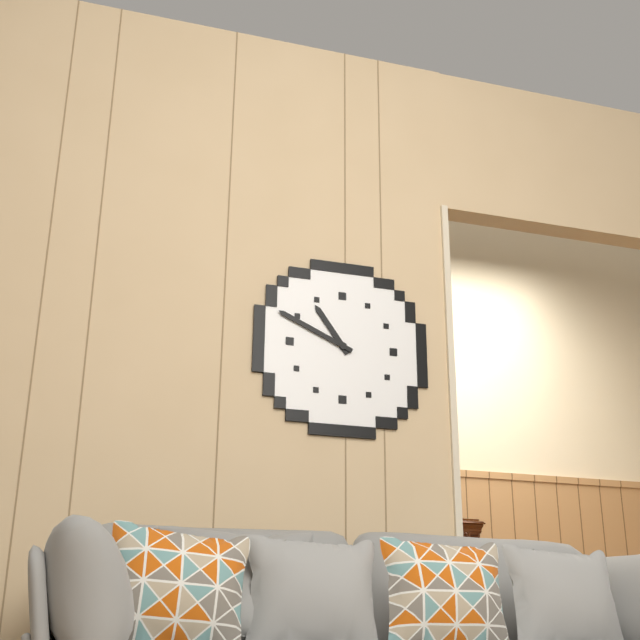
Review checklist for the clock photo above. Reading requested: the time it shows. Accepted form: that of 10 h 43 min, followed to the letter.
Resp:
10 h 49 min
